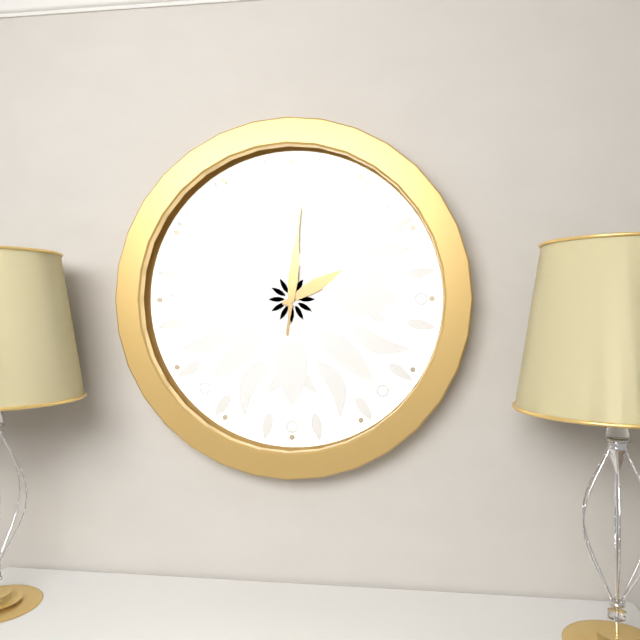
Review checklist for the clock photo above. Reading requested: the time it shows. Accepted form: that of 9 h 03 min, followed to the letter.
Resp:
2 h 01 min
